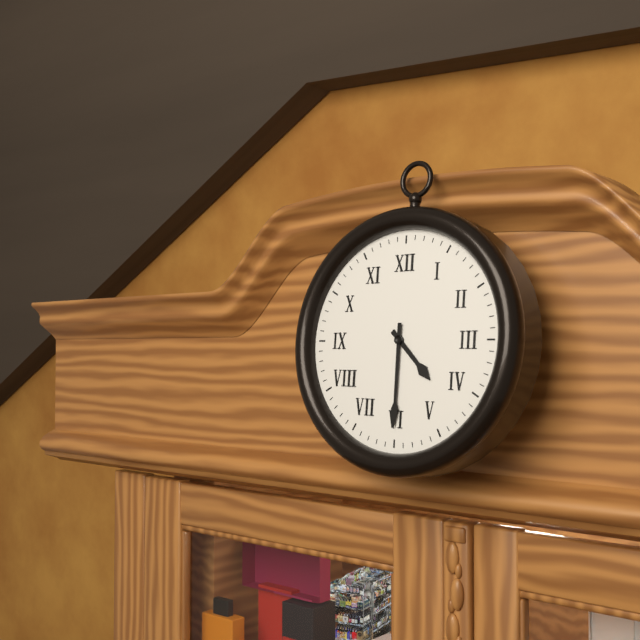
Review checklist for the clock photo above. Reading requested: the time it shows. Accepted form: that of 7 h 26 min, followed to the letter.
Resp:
4 h 30 min
